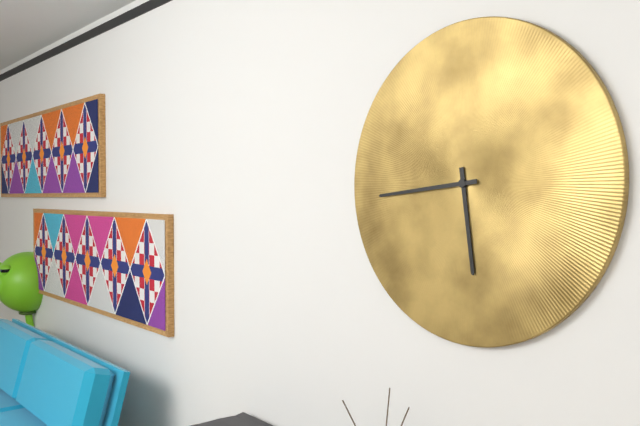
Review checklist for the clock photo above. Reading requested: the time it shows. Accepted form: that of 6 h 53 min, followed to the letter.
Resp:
5 h 44 min
